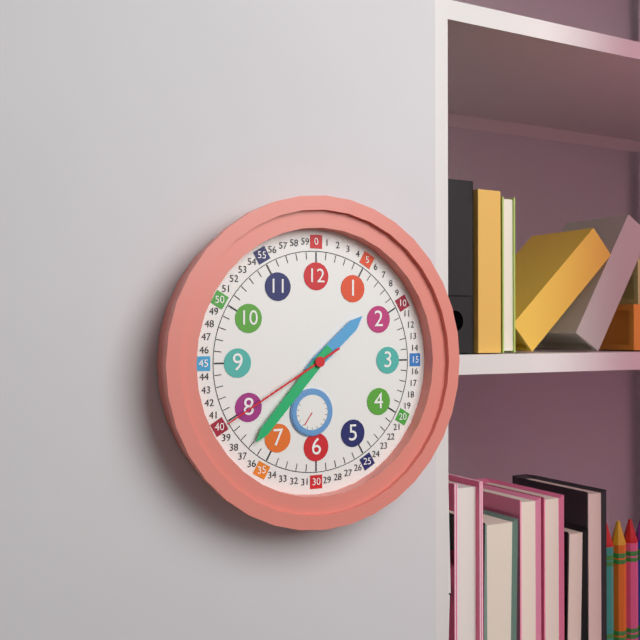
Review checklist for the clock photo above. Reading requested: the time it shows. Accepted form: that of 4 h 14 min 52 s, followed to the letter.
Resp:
1 h 37 min 40 s
